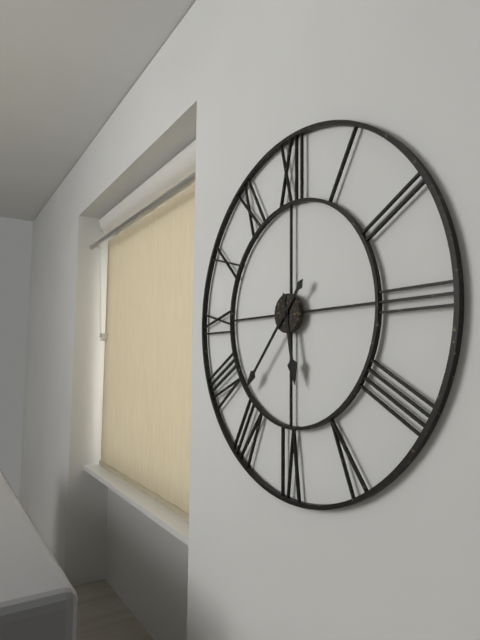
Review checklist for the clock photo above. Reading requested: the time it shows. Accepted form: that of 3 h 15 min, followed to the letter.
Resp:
5 h 37 min
